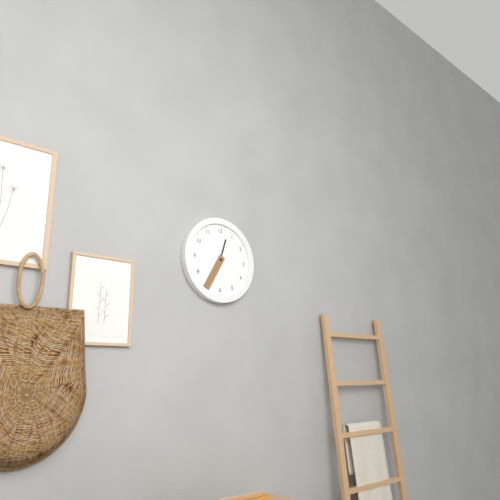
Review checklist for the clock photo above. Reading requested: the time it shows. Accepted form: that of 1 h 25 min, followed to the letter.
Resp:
12 h 35 min
